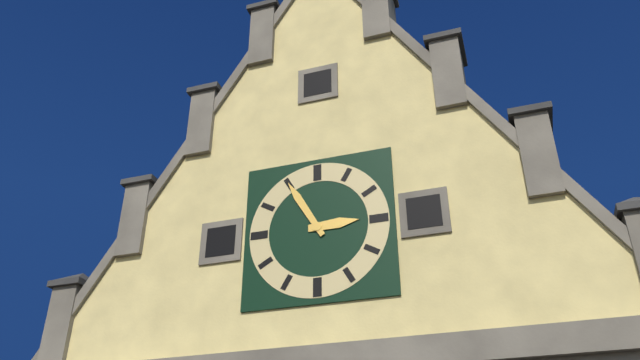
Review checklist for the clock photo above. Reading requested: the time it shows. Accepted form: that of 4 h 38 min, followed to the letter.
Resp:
2 h 55 min
